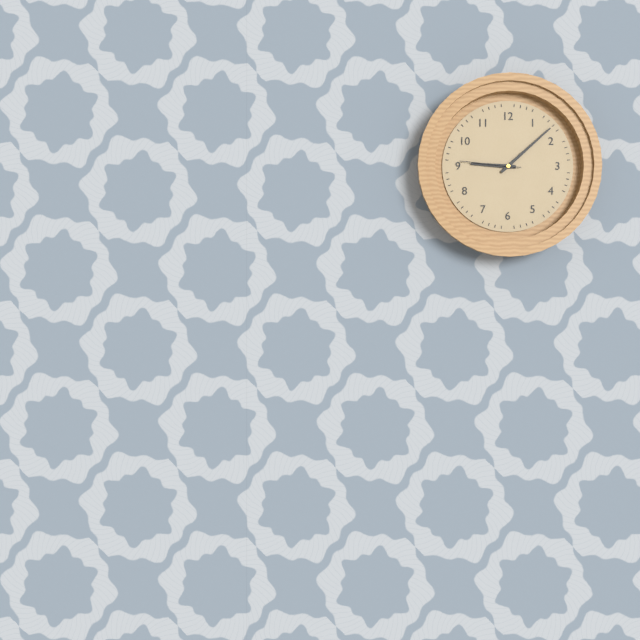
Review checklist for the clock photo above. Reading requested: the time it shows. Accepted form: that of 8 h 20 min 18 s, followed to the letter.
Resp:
9 h 08 min 46 s
